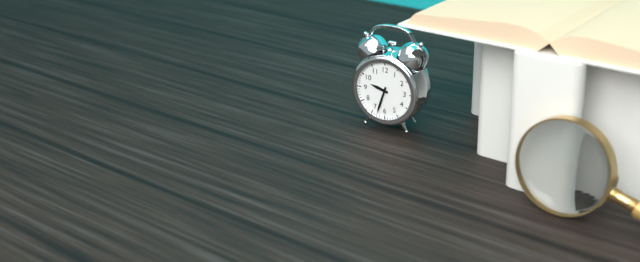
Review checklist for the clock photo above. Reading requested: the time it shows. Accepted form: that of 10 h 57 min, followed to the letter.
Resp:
9 h 33 min
